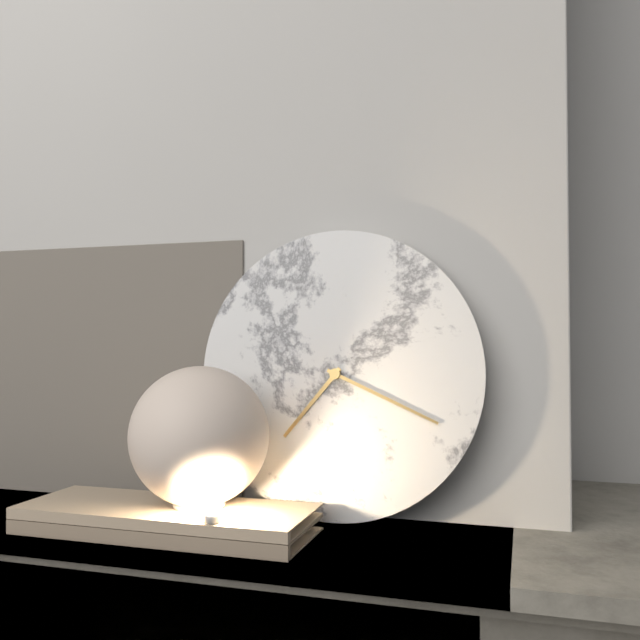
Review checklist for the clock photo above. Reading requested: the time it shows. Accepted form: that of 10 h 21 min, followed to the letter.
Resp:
7 h 19 min
